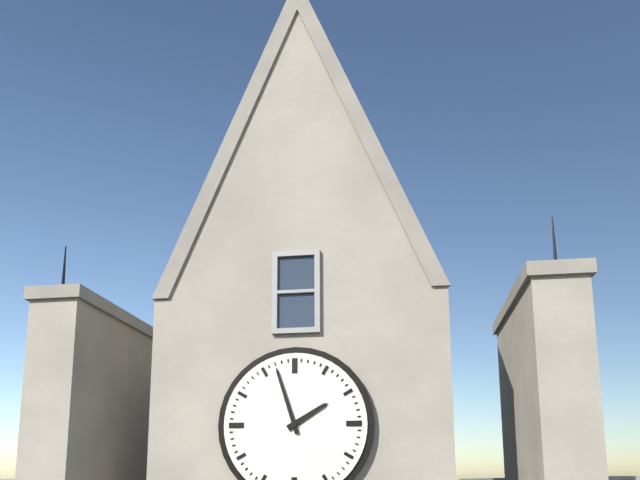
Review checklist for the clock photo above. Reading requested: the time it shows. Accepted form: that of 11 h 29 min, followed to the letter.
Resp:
1 h 57 min
